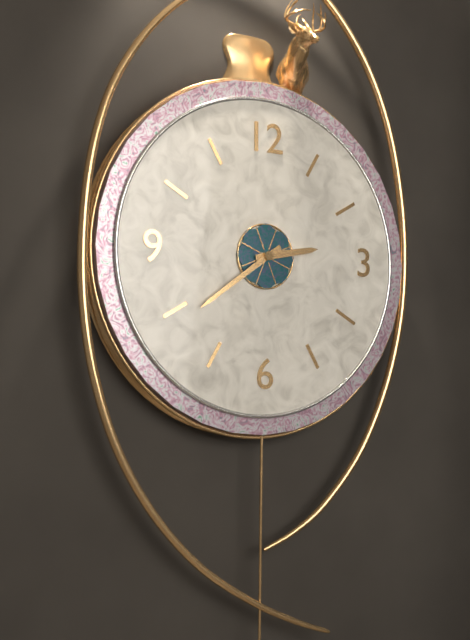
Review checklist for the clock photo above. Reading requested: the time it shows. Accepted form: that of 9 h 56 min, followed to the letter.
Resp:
2 h 39 min
